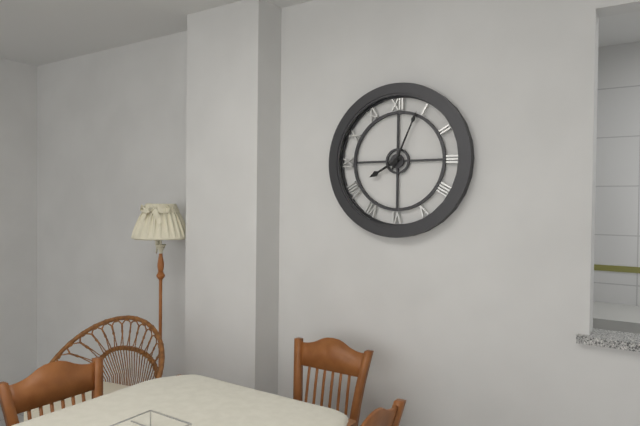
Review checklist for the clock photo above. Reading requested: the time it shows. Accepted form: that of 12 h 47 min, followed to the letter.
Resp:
8 h 04 min
